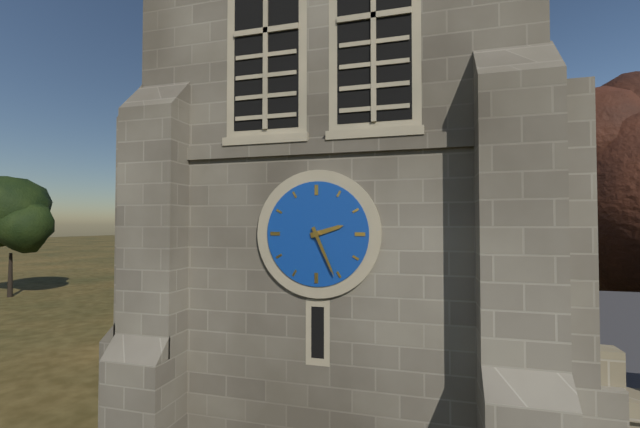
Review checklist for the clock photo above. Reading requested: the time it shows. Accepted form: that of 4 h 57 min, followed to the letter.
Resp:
2 h 26 min
